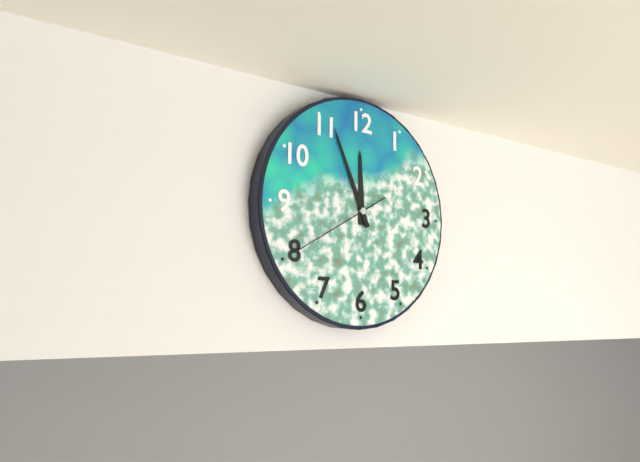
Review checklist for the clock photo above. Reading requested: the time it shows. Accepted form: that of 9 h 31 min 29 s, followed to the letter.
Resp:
11 h 56 min 40 s
